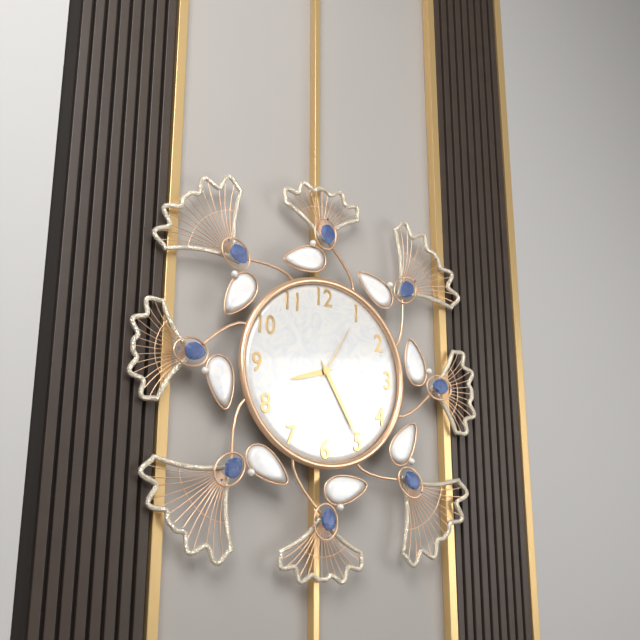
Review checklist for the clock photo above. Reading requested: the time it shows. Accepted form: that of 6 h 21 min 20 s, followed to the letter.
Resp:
8 h 25 min 05 s
